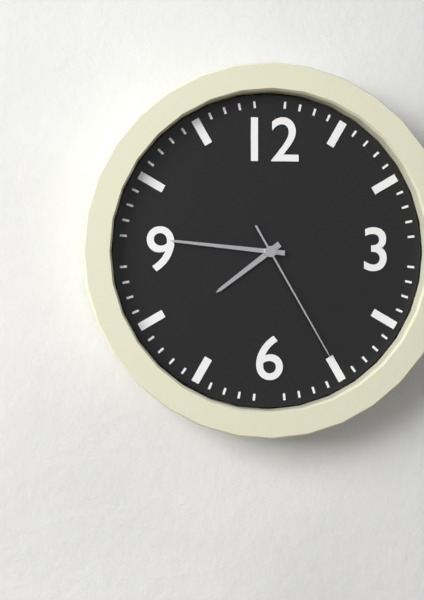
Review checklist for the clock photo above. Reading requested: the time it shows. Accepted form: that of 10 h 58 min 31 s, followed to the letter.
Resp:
7 h 46 min 25 s
